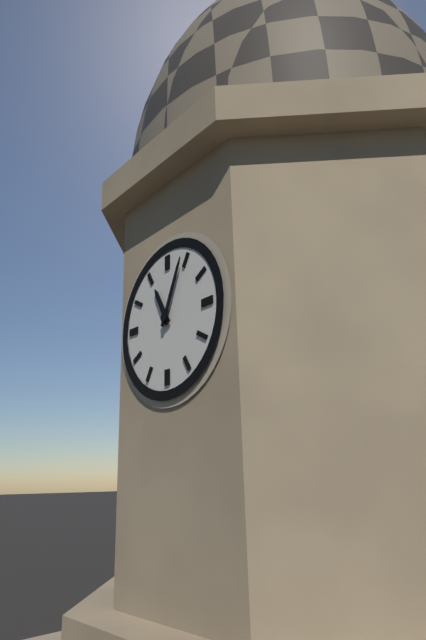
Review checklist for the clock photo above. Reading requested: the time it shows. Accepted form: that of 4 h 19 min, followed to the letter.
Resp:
11 h 04 min
